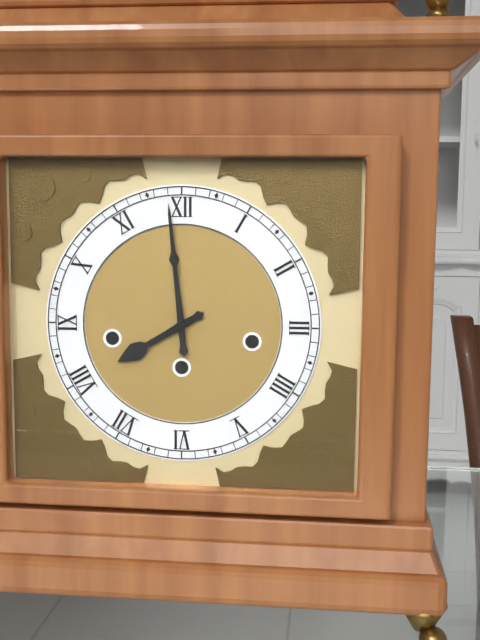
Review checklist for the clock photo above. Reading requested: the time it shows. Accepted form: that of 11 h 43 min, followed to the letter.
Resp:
7 h 59 min
